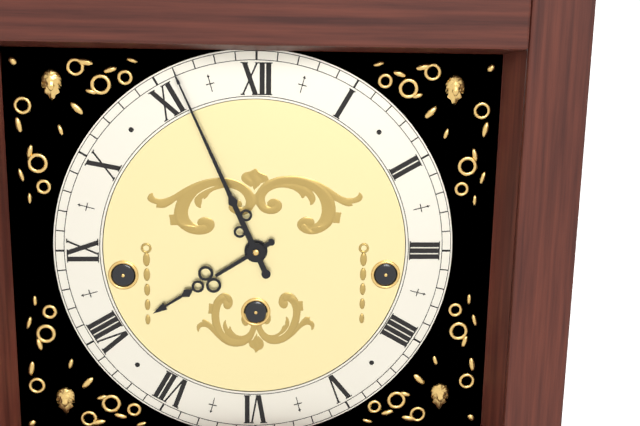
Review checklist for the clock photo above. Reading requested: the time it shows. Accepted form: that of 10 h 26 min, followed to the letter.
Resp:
7 h 56 min
